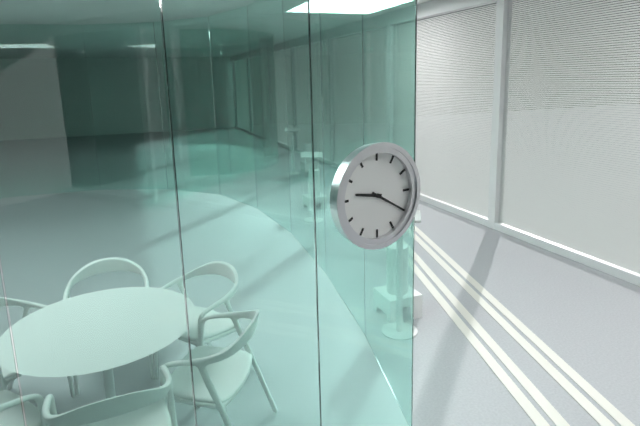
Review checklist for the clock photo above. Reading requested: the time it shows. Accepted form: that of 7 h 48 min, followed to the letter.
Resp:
9 h 20 min
